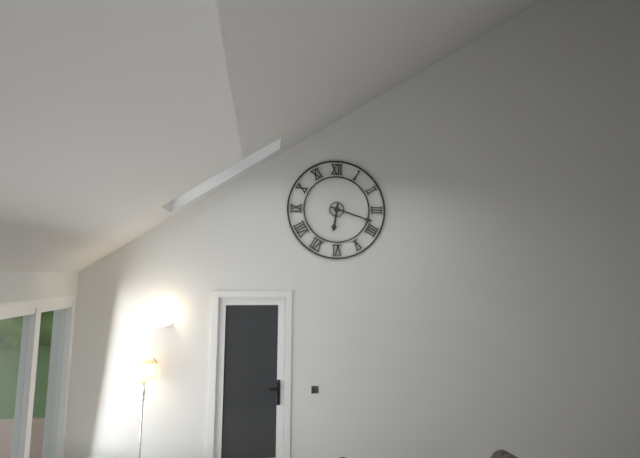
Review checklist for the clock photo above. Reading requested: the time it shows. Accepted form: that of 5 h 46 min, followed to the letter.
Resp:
6 h 18 min
